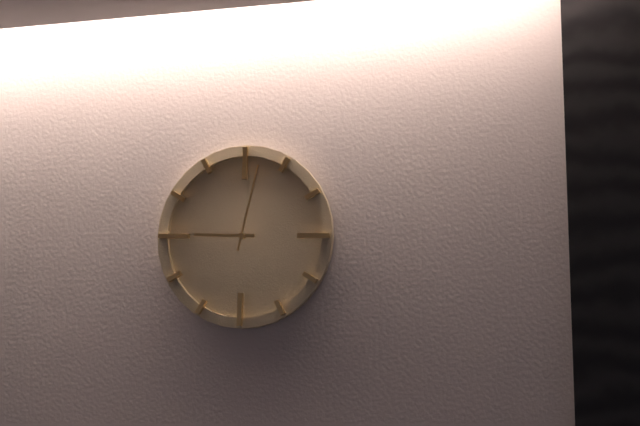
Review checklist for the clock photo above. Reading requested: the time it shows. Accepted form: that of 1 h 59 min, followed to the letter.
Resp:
9 h 02 min
